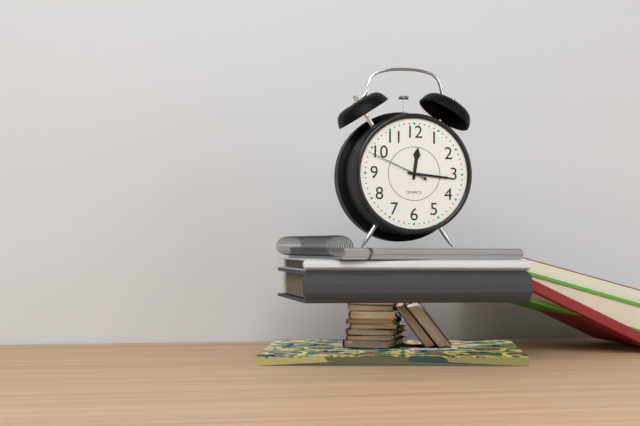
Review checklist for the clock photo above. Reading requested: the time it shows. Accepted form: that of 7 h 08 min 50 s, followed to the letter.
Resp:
12 h 16 min 49 s
